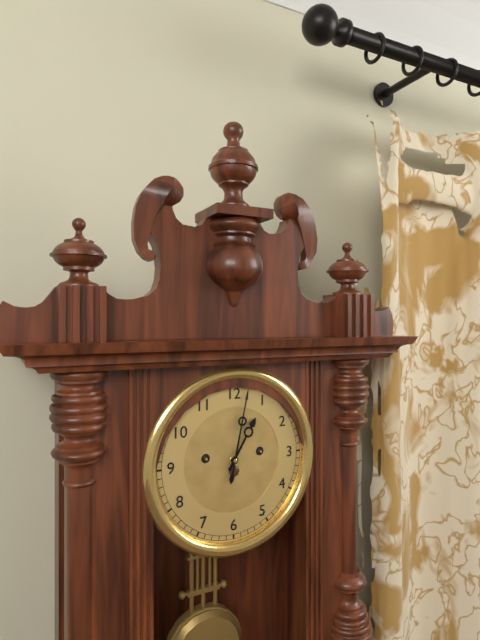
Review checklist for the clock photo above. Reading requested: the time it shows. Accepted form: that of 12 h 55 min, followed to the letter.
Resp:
1 h 02 min
